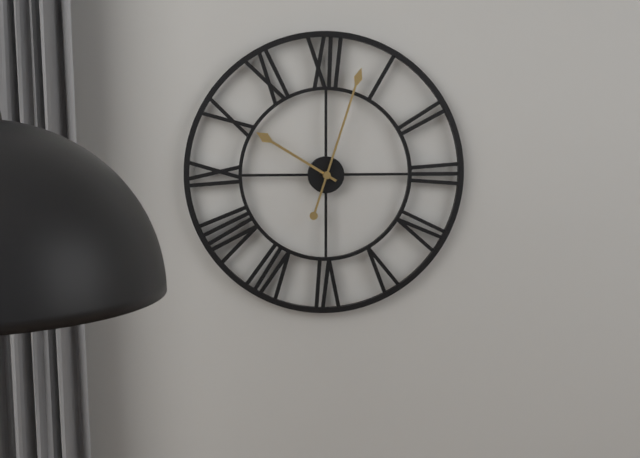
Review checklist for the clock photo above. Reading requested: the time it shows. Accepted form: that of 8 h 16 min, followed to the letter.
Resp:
10 h 03 min
